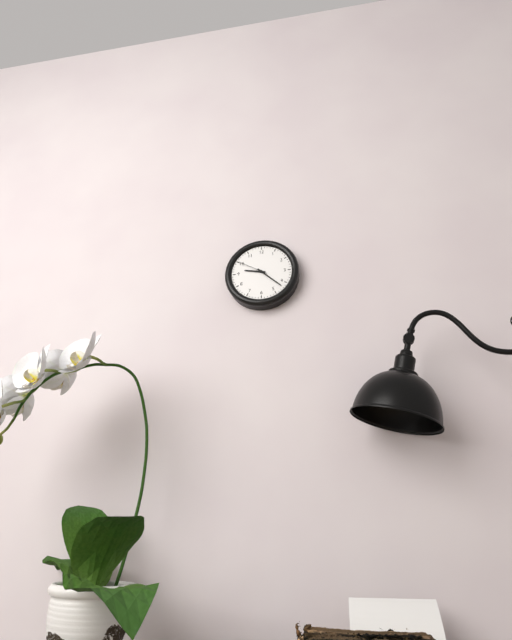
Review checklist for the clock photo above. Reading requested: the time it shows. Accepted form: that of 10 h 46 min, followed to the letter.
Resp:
9 h 22 min
